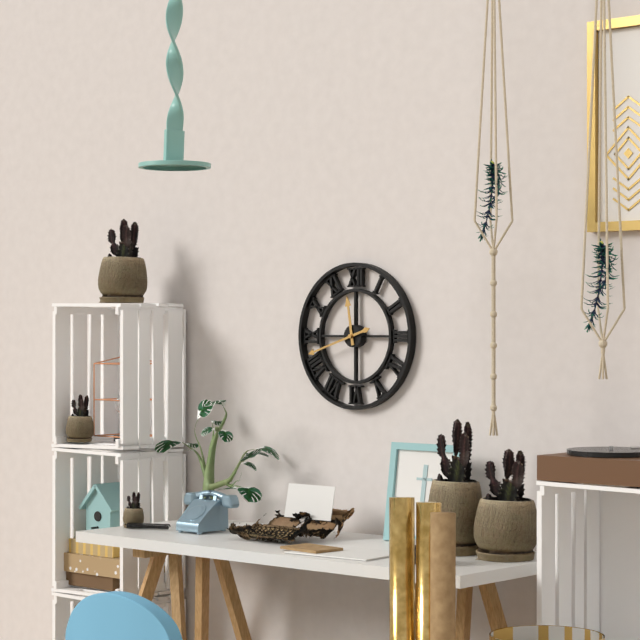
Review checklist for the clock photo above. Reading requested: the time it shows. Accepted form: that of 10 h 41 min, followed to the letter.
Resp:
11 h 42 min
